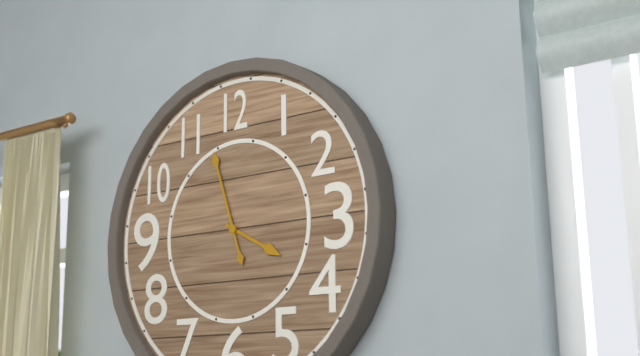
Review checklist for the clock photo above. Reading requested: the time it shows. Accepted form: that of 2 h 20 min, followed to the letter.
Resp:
3 h 57 min
